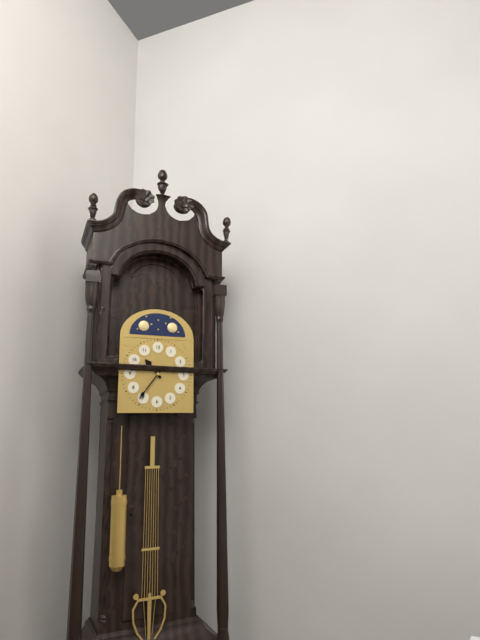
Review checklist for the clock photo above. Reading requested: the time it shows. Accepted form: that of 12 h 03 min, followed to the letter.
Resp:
10 h 36 min
